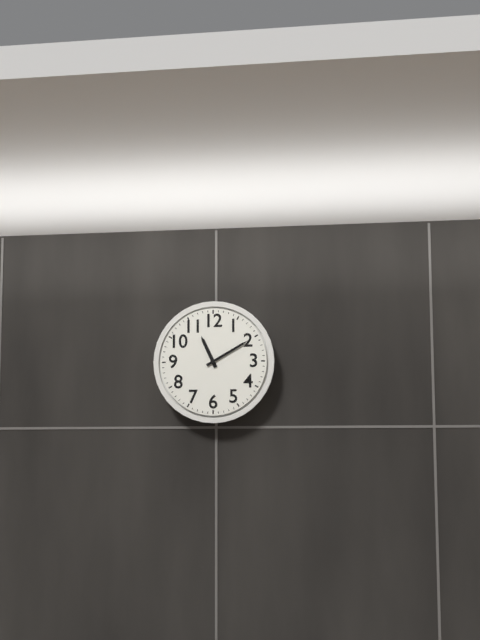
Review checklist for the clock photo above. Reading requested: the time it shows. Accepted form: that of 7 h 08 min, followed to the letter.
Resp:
11 h 10 min
